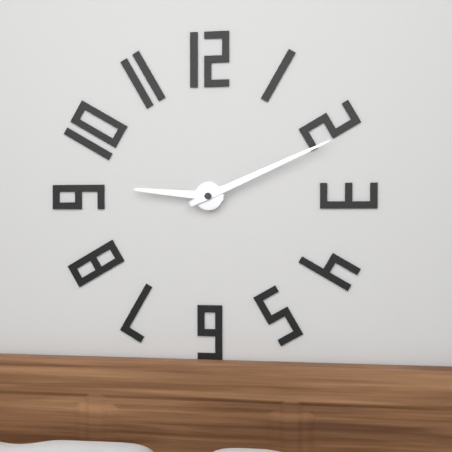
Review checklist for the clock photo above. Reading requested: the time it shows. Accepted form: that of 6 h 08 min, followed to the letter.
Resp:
9 h 11 min
